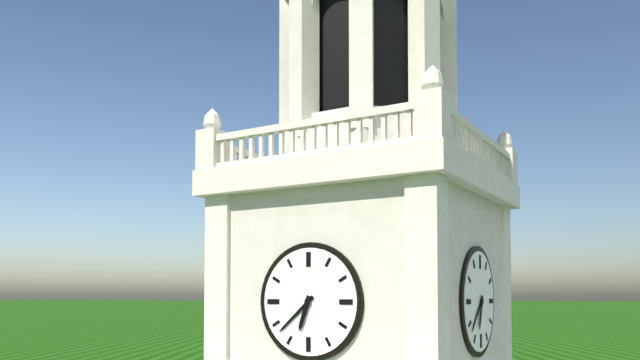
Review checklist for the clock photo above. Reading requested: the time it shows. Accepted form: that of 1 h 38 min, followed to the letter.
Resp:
6 h 38 min
